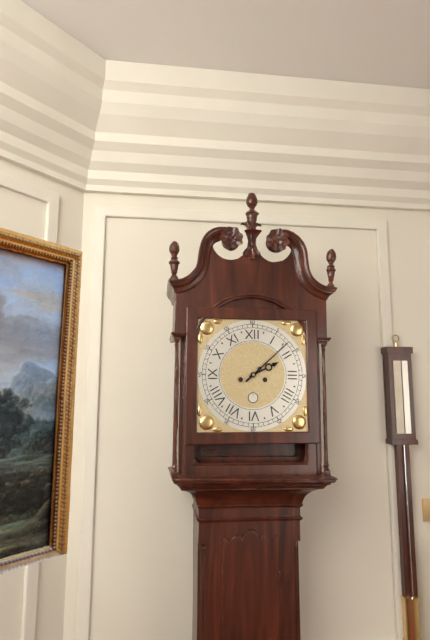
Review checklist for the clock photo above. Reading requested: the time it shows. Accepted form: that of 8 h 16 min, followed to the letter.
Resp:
2 h 08 min
